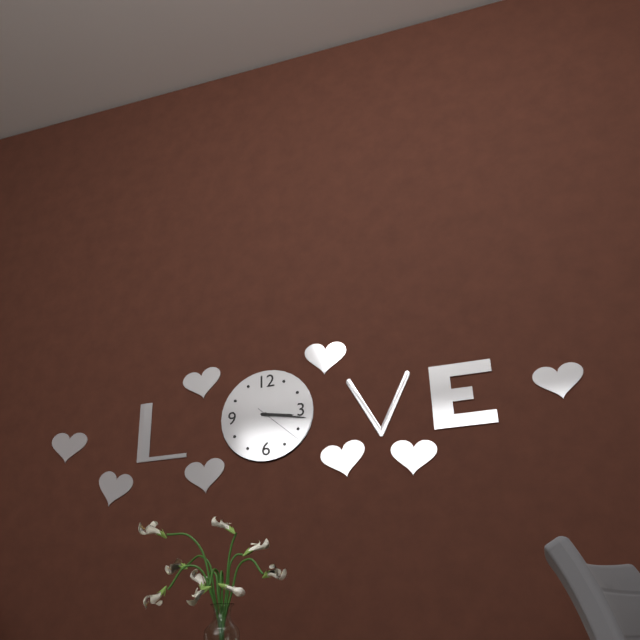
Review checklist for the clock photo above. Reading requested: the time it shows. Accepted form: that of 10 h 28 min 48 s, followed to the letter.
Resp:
3 h 17 min 22 s
